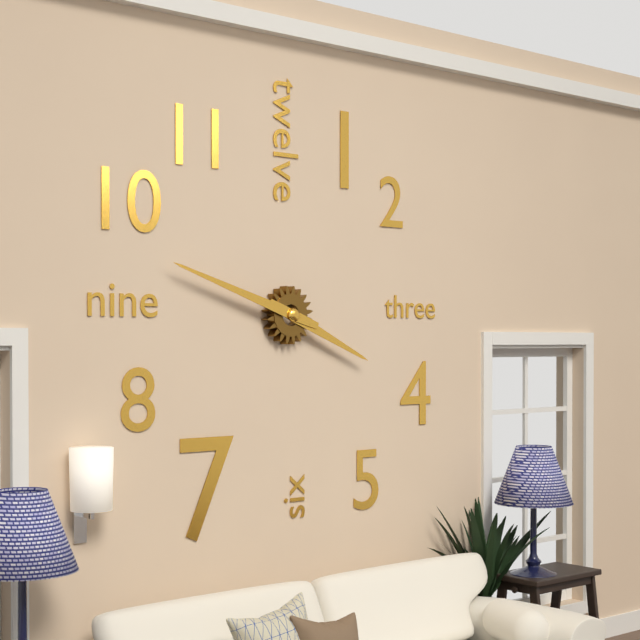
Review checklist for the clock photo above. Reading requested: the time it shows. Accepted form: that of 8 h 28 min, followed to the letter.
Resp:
3 h 48 min
